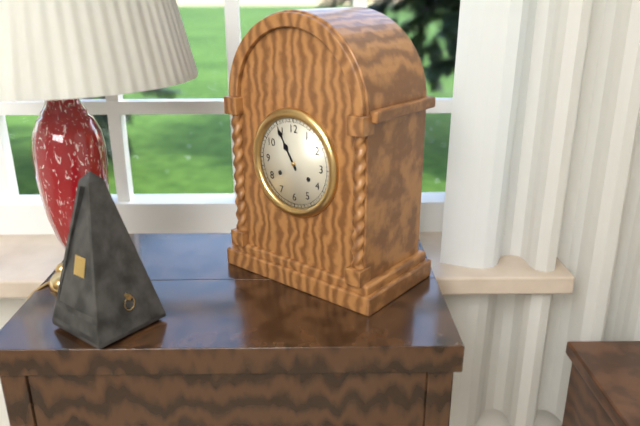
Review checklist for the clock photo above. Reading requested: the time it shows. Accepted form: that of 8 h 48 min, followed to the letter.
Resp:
10 h 55 min
